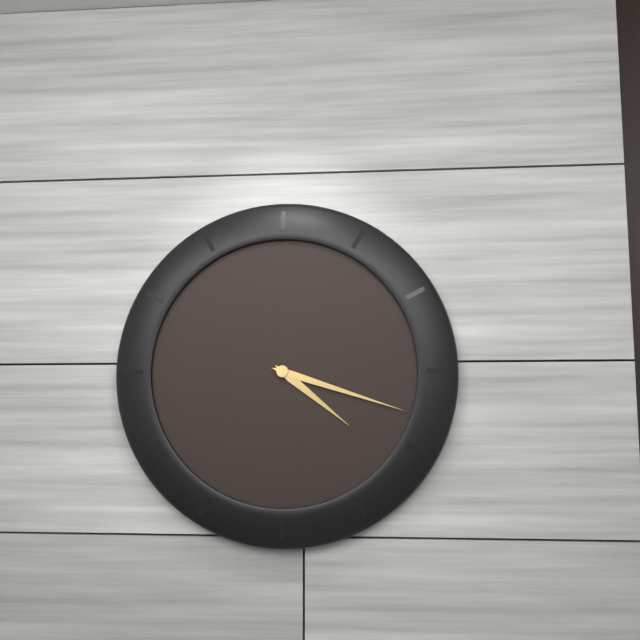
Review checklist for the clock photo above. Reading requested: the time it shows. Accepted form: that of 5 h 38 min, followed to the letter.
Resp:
4 h 18 min
